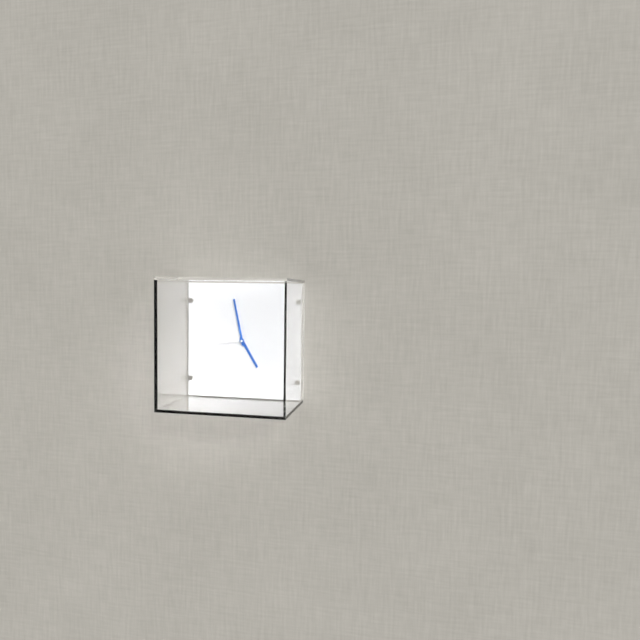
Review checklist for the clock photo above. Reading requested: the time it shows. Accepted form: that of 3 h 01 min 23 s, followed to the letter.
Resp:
4 h 58 min 44 s
